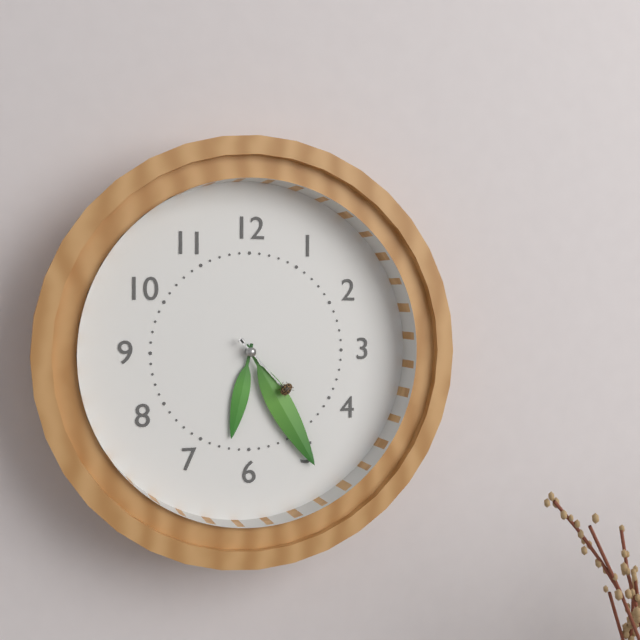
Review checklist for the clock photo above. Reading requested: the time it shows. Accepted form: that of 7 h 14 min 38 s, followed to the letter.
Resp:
6 h 25 min 23 s
